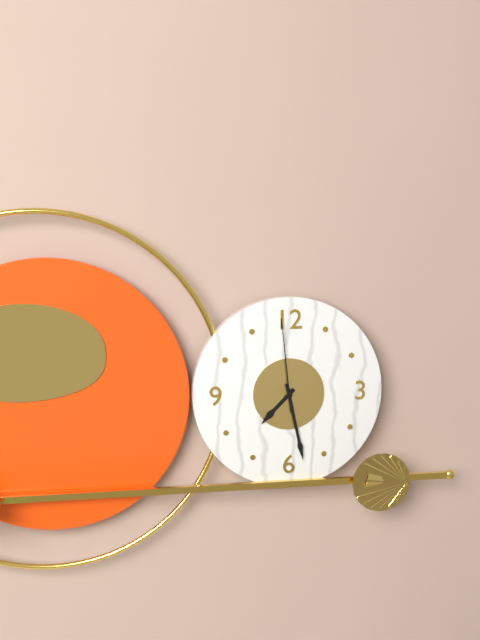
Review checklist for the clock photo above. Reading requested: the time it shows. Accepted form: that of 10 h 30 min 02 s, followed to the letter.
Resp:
7 h 28 min 59 s
